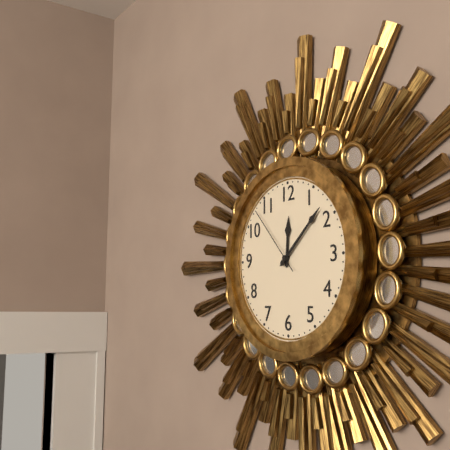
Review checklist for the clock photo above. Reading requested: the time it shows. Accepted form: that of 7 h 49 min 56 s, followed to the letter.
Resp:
12 h 08 min 53 s
